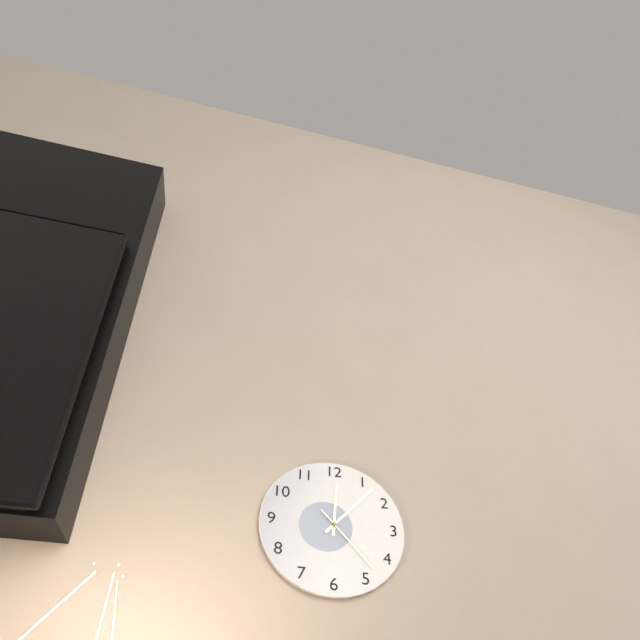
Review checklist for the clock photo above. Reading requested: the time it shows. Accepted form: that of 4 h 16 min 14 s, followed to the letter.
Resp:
12 h 07 min 23 s
